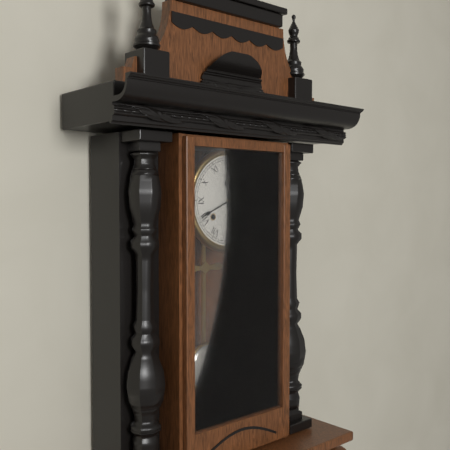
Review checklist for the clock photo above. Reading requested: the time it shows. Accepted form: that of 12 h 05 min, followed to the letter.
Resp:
11 h 41 min
